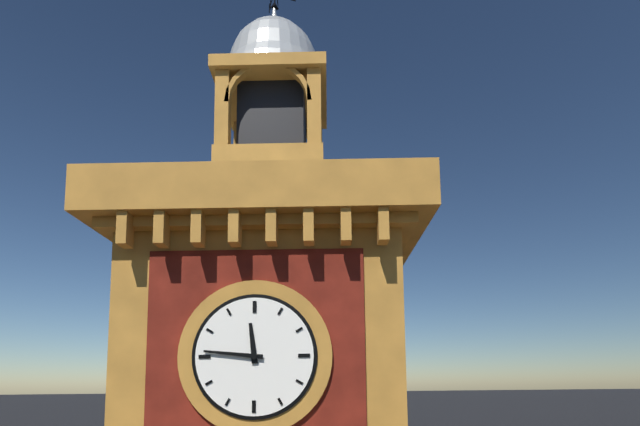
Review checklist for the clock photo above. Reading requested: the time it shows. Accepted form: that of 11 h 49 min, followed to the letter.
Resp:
11 h 46 min
